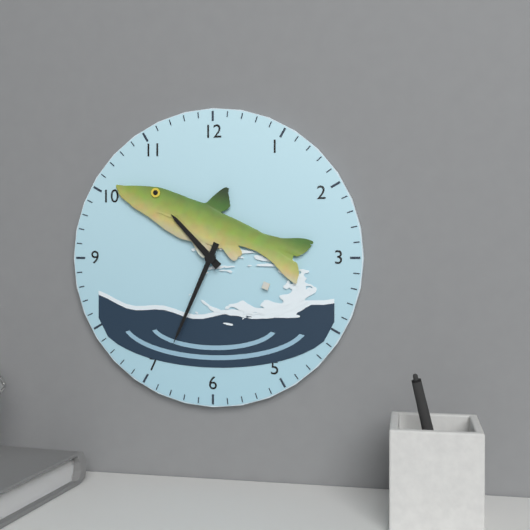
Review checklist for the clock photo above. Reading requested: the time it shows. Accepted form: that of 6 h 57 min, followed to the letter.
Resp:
10 h 34 min
